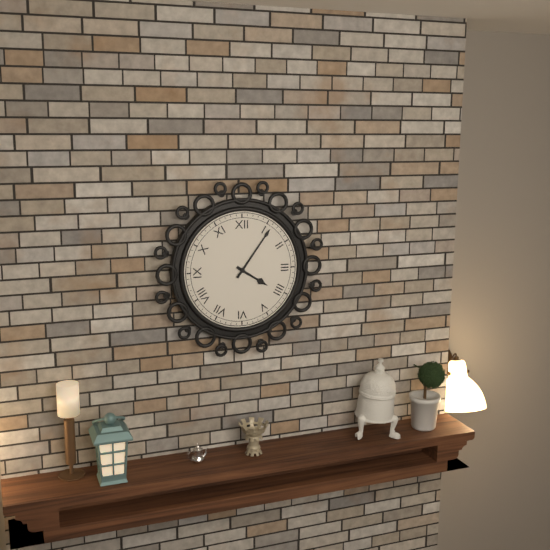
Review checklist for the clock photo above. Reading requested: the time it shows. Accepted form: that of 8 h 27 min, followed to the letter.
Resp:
4 h 06 min
